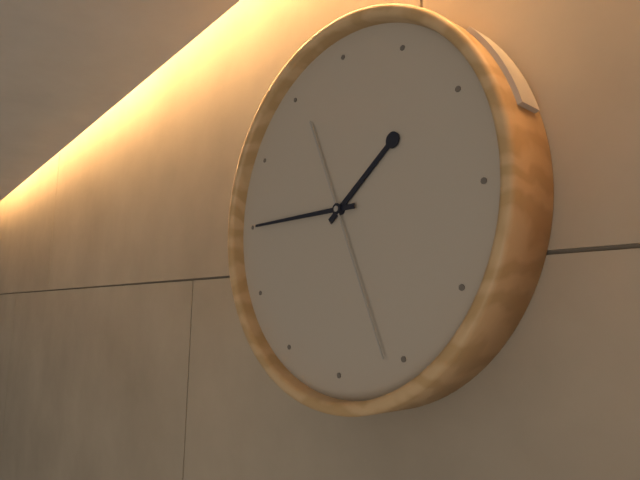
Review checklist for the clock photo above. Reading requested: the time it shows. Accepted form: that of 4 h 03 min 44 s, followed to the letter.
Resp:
1 h 45 min 26 s
